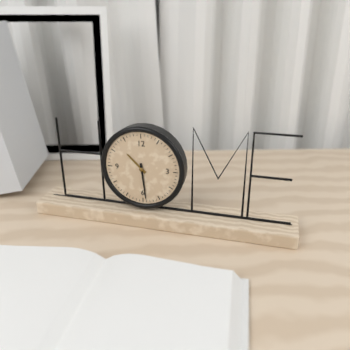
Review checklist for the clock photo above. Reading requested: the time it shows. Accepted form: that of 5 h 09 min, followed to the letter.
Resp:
10 h 29 min
